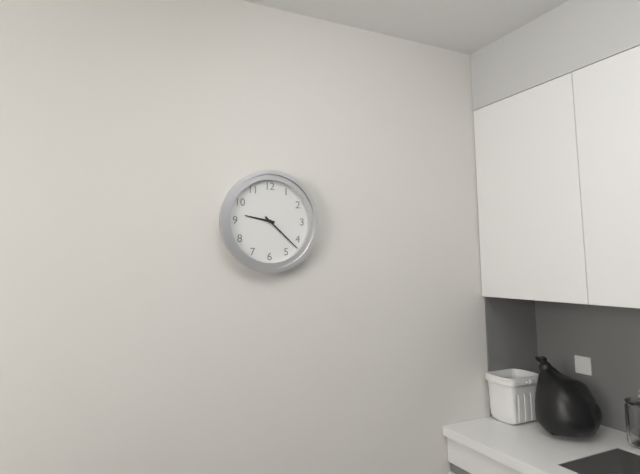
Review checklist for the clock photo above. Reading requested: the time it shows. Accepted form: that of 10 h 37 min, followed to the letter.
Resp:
9 h 22 min
